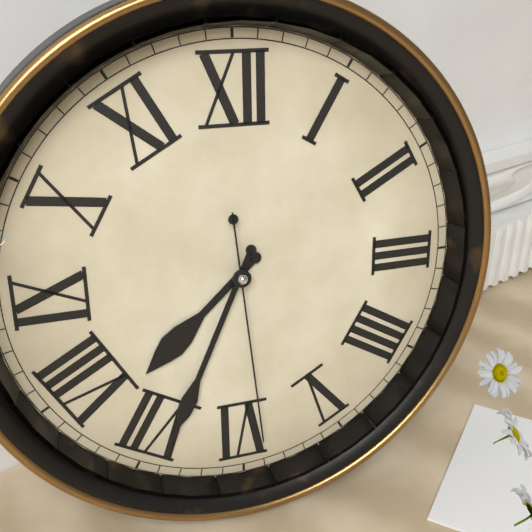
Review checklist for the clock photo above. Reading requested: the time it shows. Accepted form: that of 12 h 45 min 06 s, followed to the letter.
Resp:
7 h 34 min 29 s
